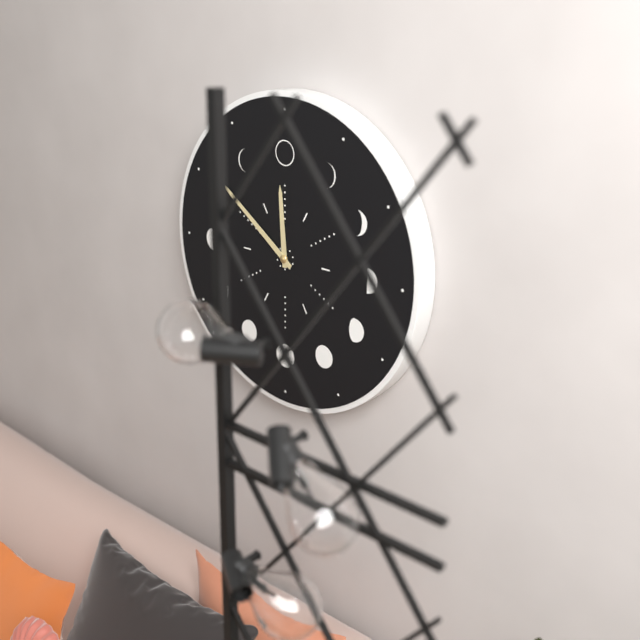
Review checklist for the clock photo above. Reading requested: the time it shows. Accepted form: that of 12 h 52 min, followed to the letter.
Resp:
11 h 51 min
